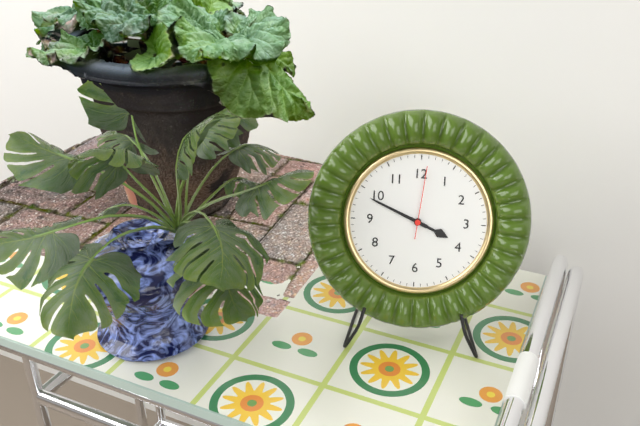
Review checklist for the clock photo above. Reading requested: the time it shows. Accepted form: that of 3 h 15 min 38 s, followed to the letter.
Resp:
3 h 49 min 01 s
